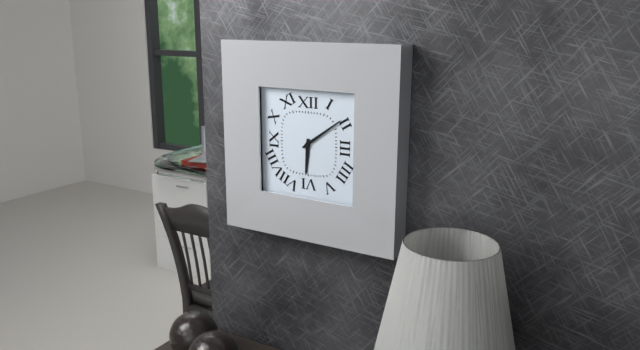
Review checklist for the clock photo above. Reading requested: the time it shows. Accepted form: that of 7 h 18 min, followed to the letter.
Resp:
6 h 09 min
